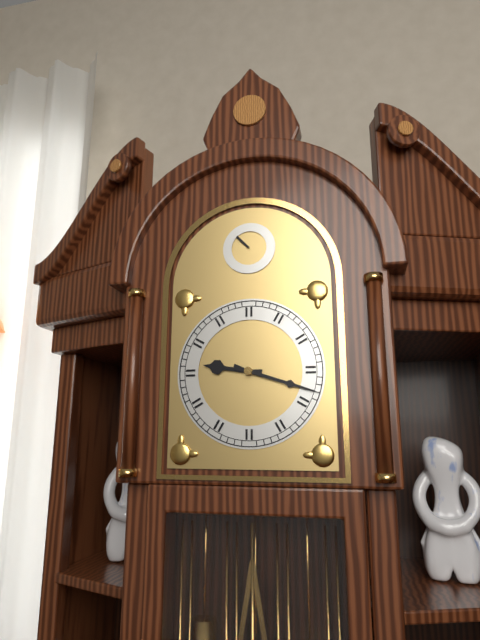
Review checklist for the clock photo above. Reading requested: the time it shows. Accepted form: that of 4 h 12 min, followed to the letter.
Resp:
9 h 18 min
